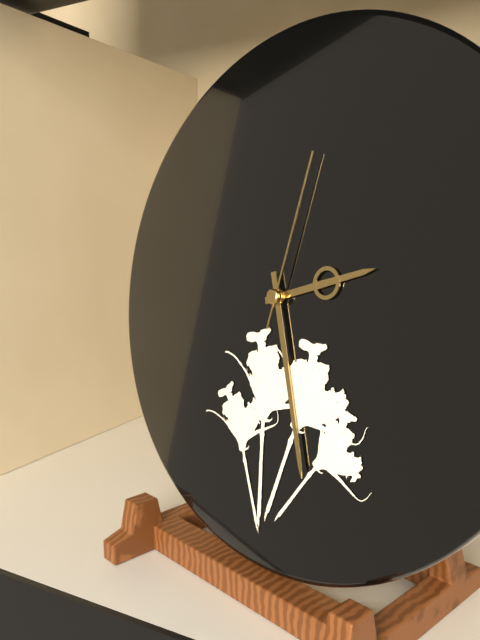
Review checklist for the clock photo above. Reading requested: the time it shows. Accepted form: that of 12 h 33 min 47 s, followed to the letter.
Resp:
2 h 27 min 02 s
